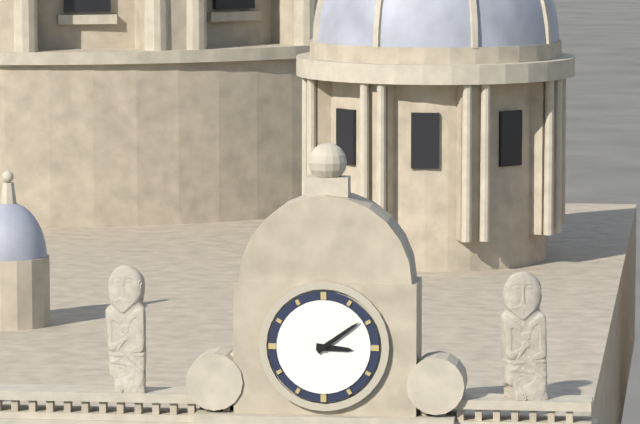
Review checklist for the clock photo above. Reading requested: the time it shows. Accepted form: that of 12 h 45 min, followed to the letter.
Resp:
3 h 09 min
